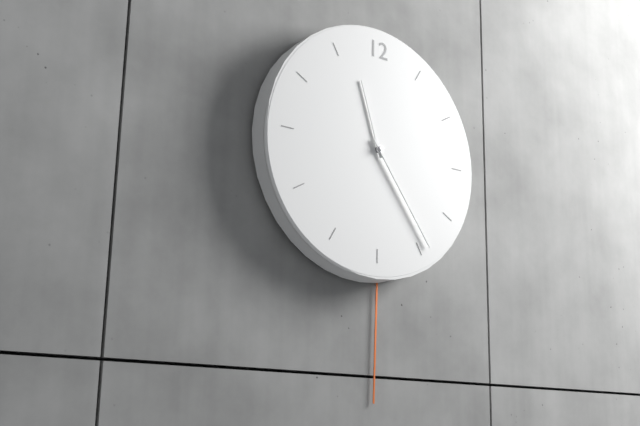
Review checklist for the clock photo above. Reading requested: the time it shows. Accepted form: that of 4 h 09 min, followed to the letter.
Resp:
11 h 24 min
